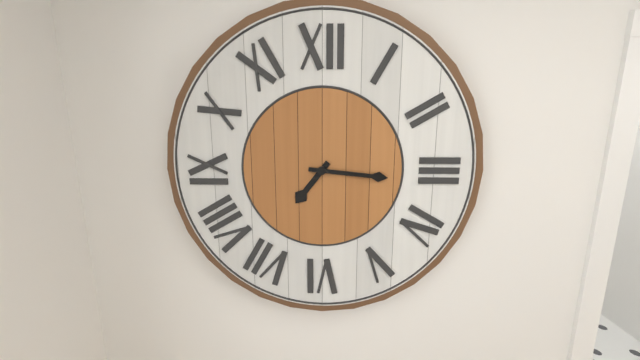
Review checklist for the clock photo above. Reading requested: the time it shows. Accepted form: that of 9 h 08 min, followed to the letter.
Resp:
7 h 16 min
